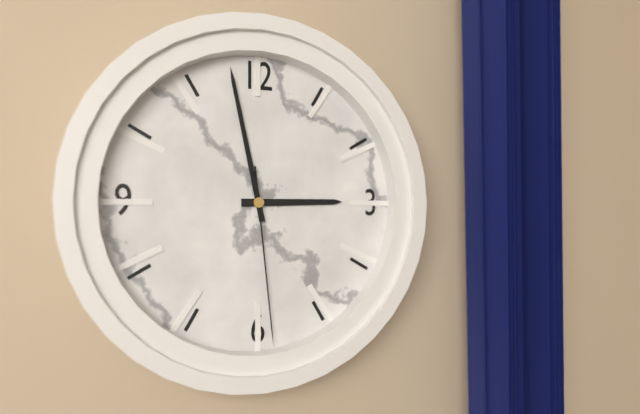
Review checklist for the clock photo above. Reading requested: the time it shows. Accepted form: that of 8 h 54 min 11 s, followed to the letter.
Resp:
2 h 58 min 29 s
